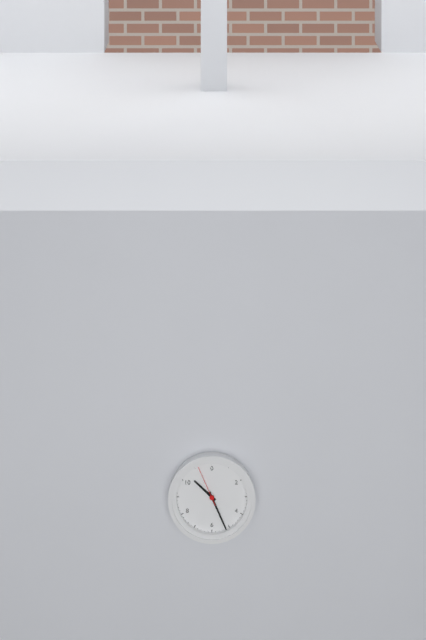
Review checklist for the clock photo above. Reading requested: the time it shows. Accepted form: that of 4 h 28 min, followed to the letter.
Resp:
10 h 26 min
